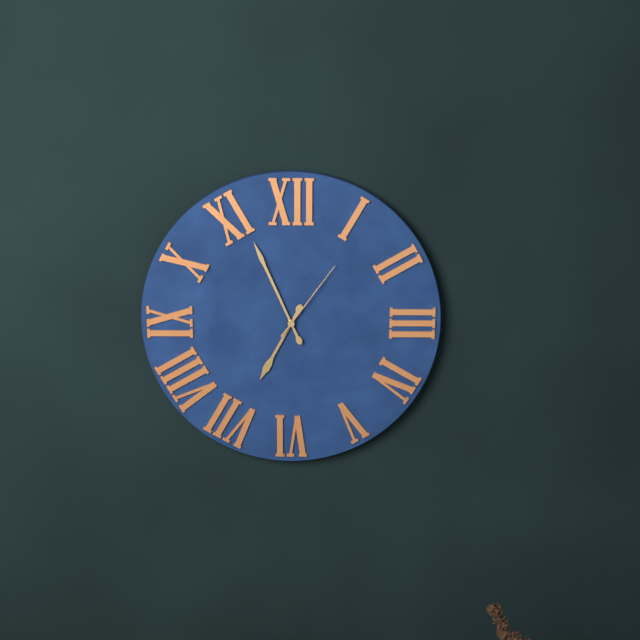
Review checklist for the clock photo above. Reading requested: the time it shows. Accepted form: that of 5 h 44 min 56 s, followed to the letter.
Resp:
6 h 56 min 06 s
